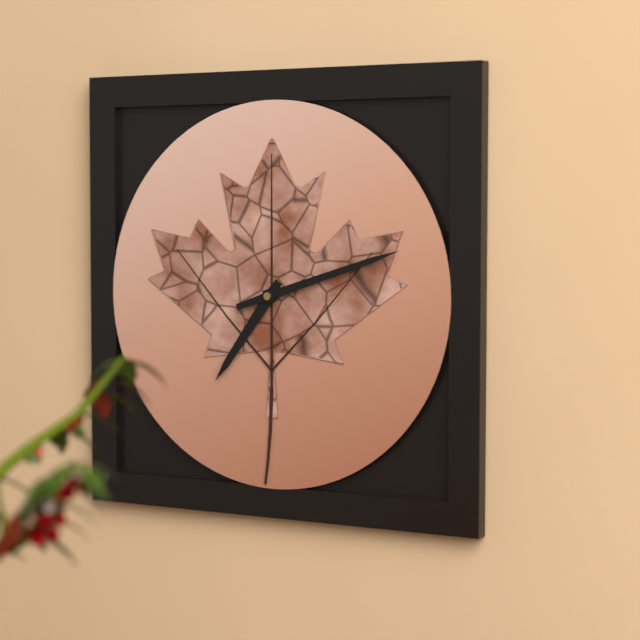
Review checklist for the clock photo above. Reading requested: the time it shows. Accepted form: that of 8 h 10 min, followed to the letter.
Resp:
7 h 12 min
